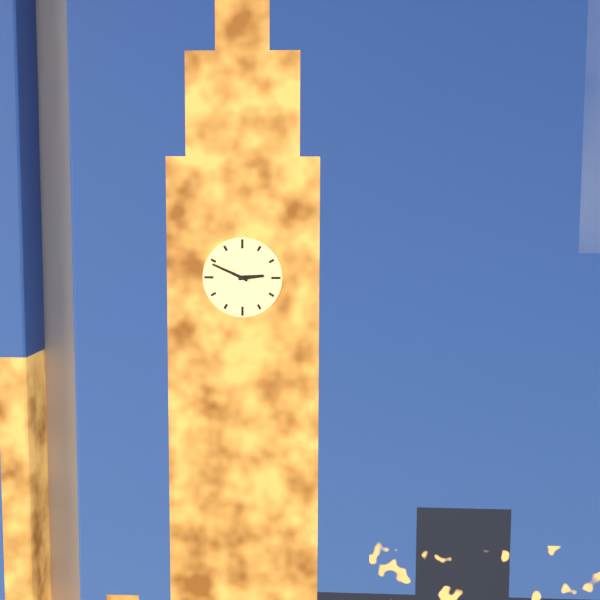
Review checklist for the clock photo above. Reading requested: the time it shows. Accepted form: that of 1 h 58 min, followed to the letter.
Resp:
2 h 49 min
